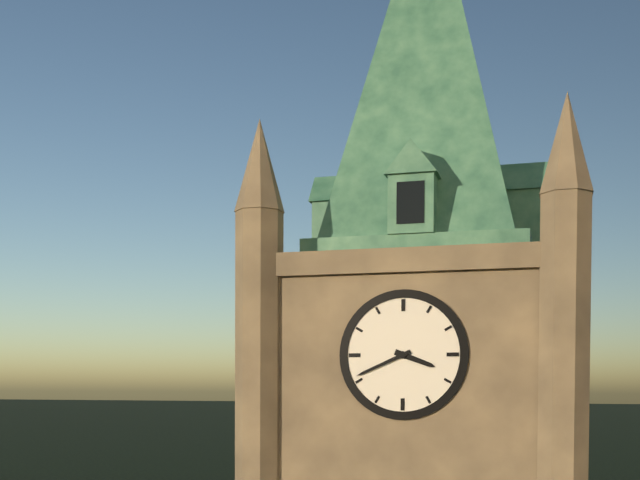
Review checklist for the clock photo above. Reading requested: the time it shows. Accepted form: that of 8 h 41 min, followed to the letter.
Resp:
3 h 41 min
